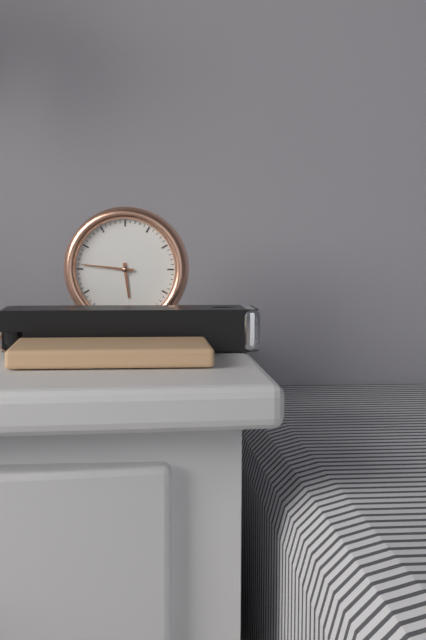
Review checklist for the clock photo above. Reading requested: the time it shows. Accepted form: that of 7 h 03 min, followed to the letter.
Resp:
5 h 46 min
